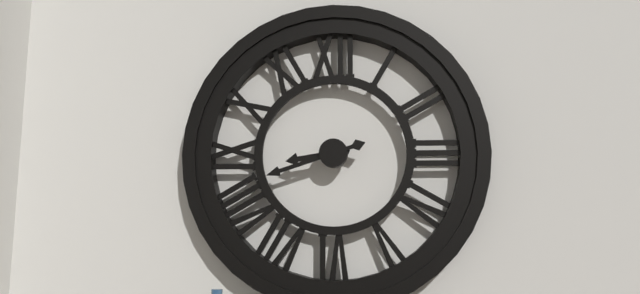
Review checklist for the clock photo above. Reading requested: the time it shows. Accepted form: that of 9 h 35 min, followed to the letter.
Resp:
8 h 42 min
